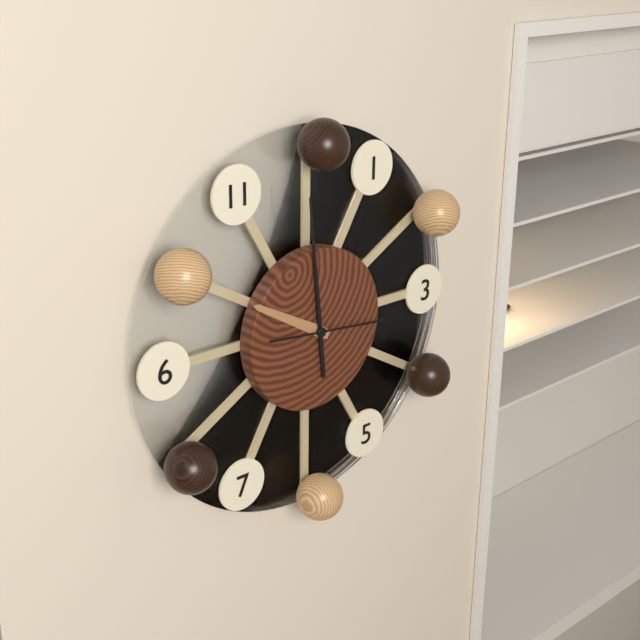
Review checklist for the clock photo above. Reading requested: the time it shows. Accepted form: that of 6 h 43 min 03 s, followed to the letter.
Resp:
9 h 59 min 16 s
